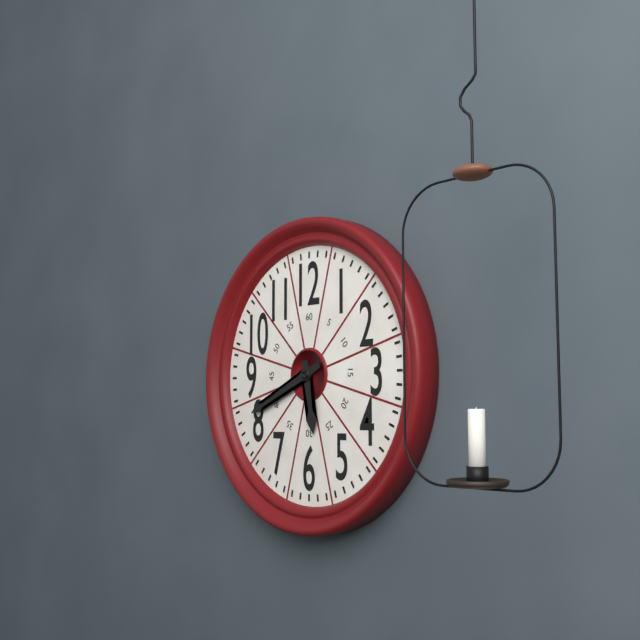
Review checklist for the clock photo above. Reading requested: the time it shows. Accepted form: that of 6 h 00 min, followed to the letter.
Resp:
5 h 41 min
